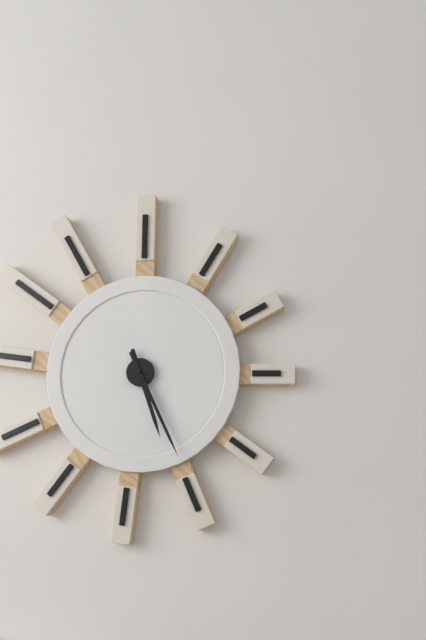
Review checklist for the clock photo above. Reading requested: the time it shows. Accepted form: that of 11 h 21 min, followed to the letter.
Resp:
5 h 26 min
